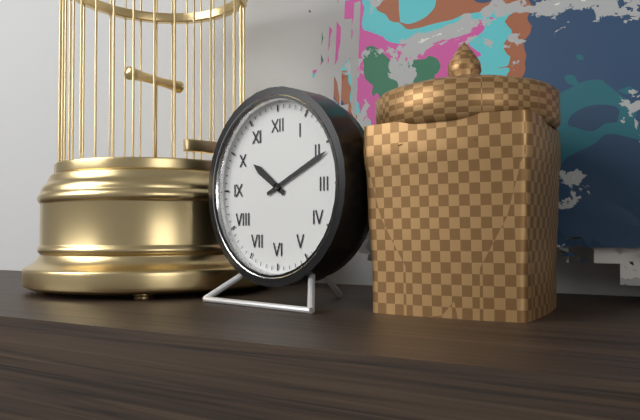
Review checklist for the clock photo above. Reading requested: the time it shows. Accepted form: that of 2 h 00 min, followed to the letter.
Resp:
10 h 11 min
